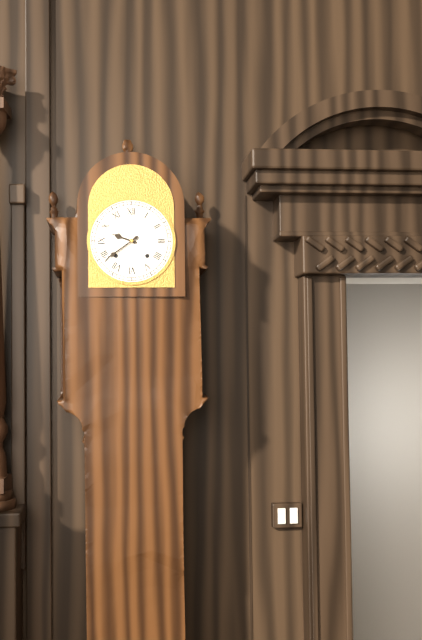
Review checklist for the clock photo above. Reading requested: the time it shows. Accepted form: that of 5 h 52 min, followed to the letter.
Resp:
9 h 39 min
